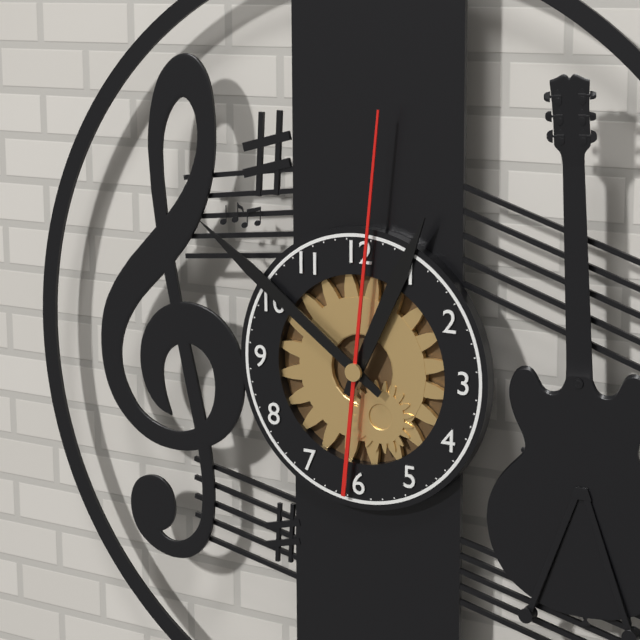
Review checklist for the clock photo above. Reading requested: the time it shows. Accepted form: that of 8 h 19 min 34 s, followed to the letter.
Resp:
12 h 51 min 01 s
